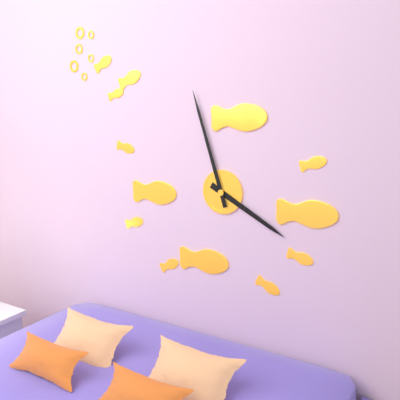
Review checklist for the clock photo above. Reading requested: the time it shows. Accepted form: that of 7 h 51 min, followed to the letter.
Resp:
3 h 57 min
